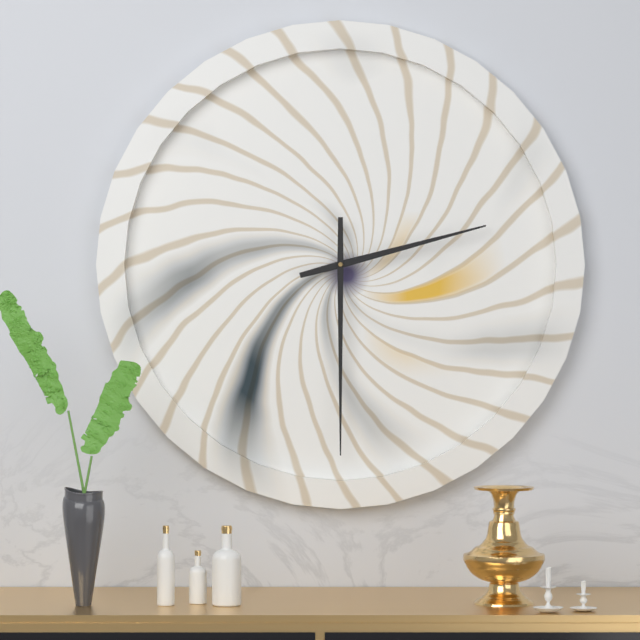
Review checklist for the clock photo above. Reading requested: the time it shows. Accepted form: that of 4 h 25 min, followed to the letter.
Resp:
2 h 30 min
